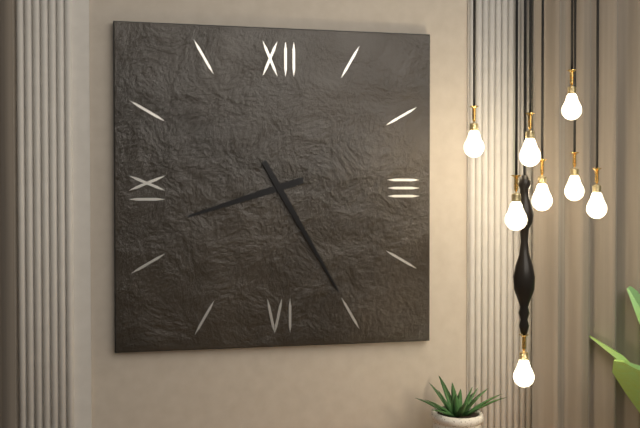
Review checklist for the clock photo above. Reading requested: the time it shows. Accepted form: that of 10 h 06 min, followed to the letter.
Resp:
8 h 25 min
